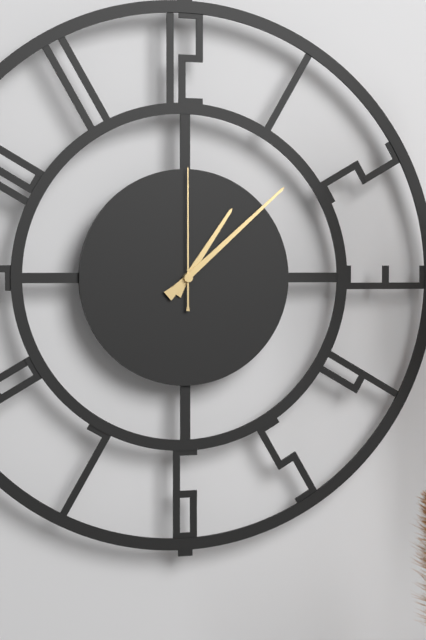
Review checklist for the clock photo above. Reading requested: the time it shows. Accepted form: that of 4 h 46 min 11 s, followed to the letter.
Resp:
1 h 08 min 00 s
